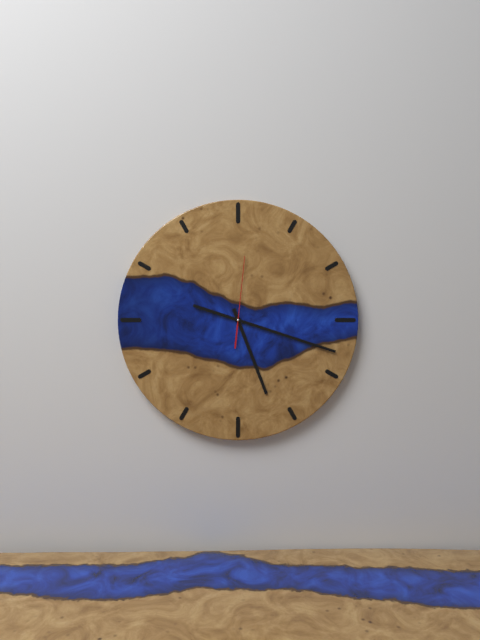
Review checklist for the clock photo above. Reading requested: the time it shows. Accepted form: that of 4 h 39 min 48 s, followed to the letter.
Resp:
5 h 18 min 01 s
